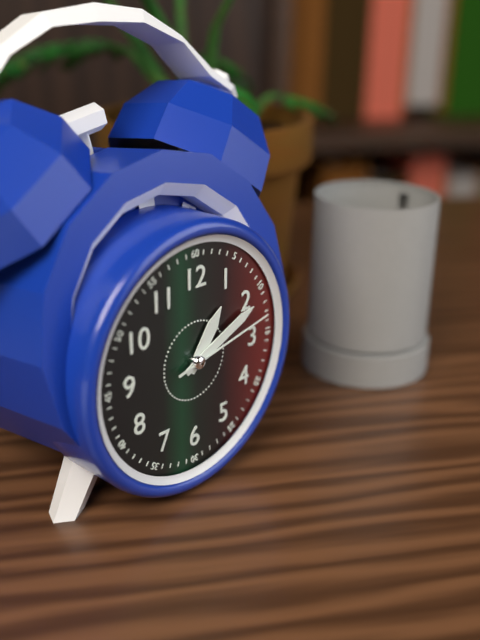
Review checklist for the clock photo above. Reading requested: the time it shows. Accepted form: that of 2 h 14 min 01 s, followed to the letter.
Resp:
1 h 11 min 13 s
